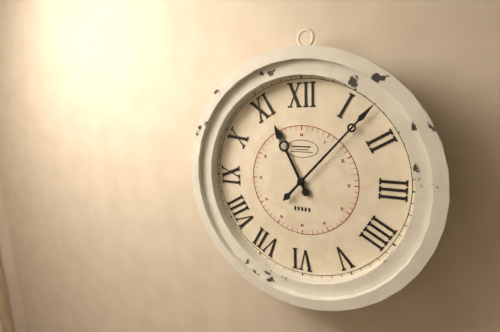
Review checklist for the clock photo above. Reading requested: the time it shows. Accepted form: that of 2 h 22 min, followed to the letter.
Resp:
11 h 07 min
